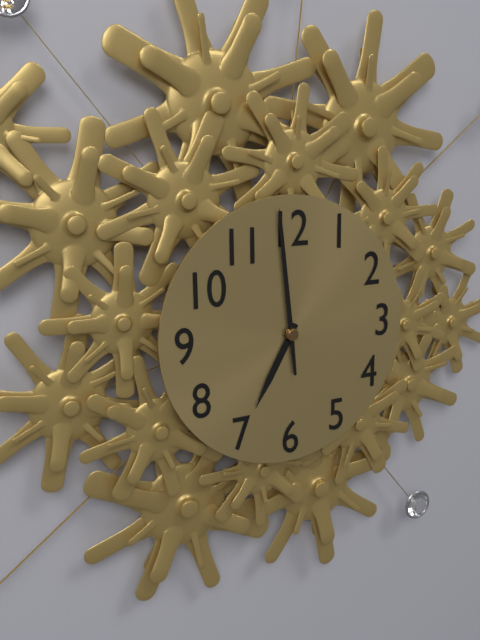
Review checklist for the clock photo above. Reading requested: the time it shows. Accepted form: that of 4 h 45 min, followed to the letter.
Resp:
6 h 59 min
